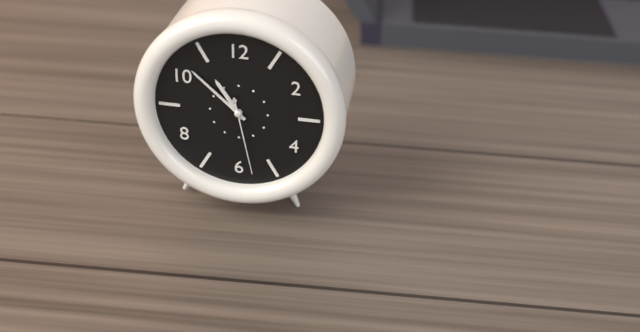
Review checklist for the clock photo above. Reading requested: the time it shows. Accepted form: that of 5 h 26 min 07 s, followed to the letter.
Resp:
10 h 52 min 28 s
